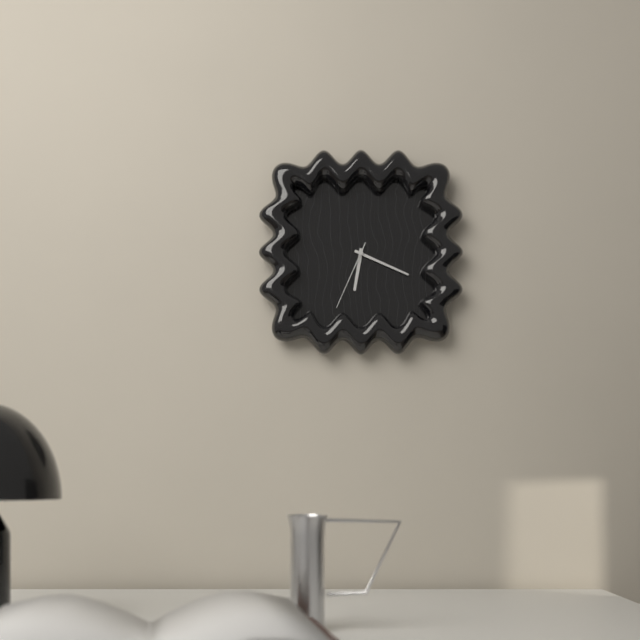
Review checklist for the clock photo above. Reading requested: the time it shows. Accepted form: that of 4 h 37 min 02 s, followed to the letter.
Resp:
6 h 19 min 34 s
